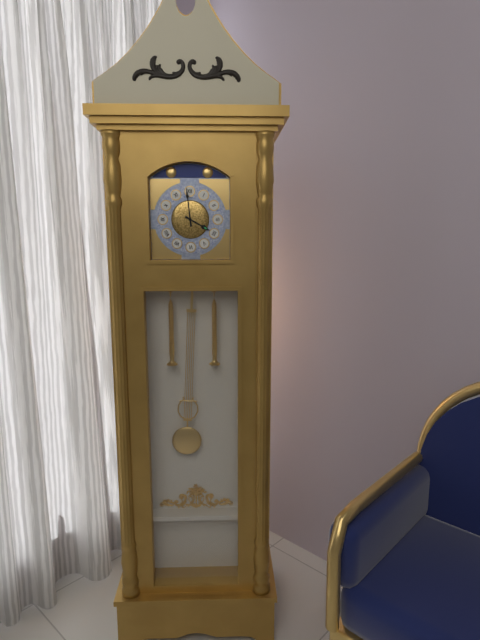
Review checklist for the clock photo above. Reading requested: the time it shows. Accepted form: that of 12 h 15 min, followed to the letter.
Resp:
3 h 59 min
